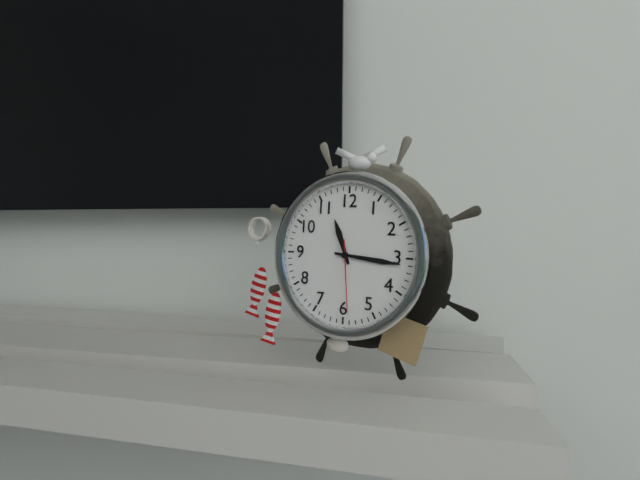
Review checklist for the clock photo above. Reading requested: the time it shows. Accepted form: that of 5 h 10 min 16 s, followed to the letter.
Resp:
11 h 16 min 29 s
